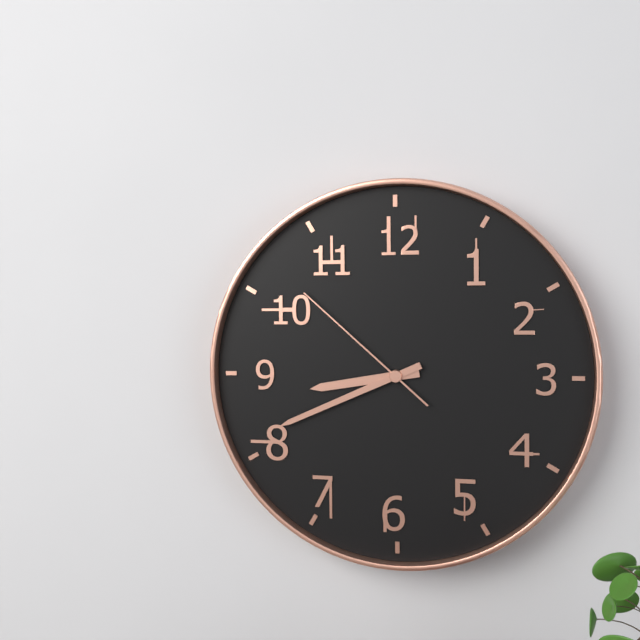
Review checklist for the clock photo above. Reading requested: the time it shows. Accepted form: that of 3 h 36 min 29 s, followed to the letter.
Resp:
8 h 41 min 52 s
